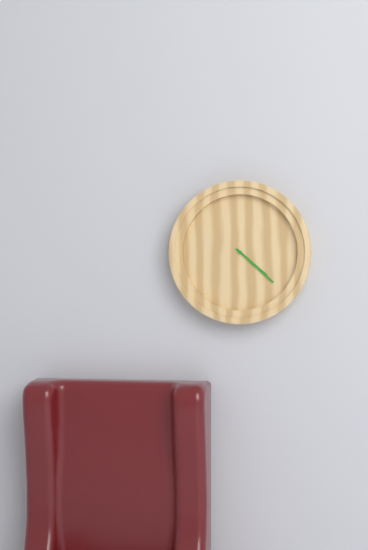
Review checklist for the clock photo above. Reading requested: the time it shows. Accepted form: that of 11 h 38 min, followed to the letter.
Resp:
4 h 22 min
